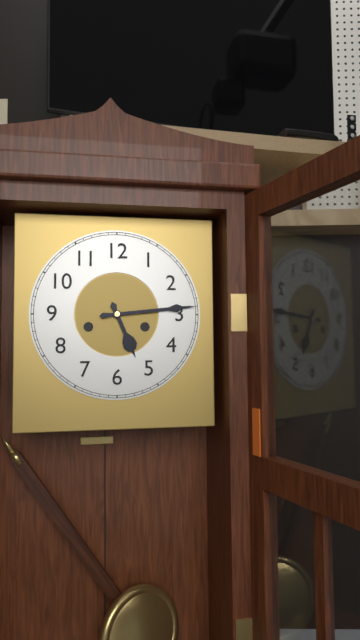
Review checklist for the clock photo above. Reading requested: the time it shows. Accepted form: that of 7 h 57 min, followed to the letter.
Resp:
5 h 14 min
